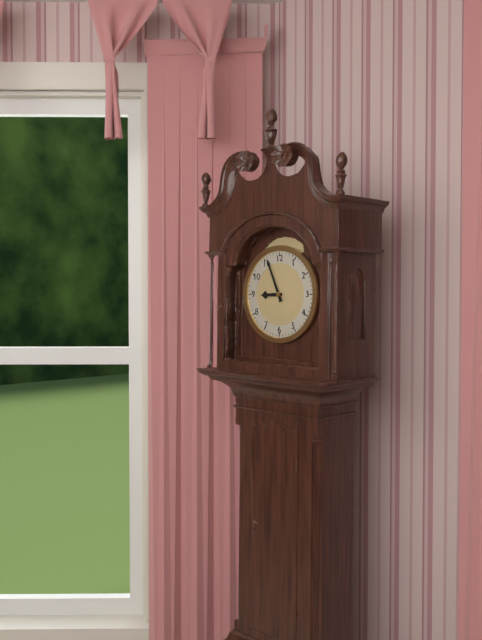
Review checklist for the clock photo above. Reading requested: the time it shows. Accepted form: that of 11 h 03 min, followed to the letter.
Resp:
8 h 56 min
